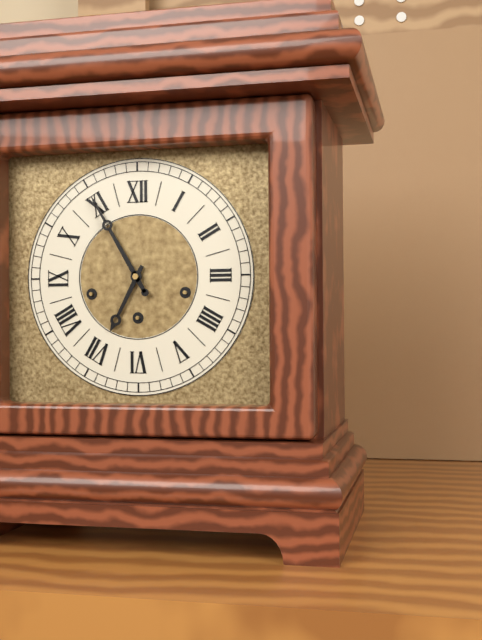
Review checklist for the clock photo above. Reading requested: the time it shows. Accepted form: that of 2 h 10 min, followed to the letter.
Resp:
6 h 55 min
